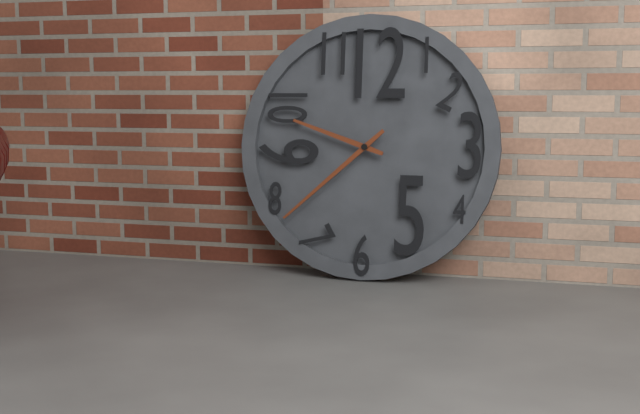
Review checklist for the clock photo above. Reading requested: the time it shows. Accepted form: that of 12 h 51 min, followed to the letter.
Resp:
9 h 38 min
